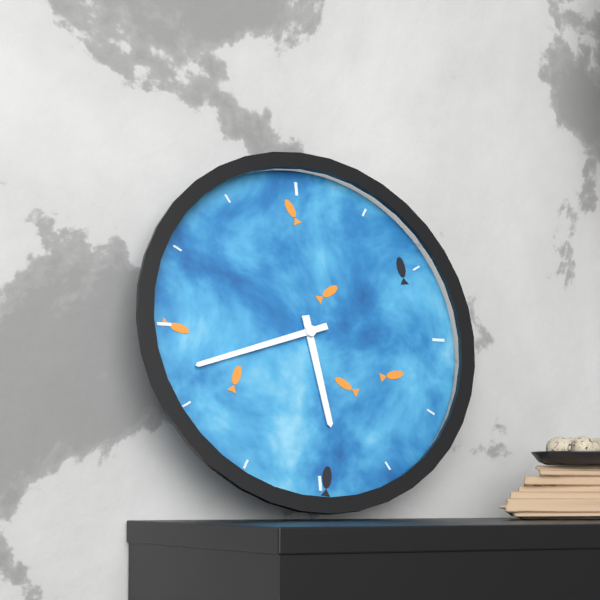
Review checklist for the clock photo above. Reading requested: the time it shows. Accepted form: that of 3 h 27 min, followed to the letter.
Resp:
5 h 42 min
